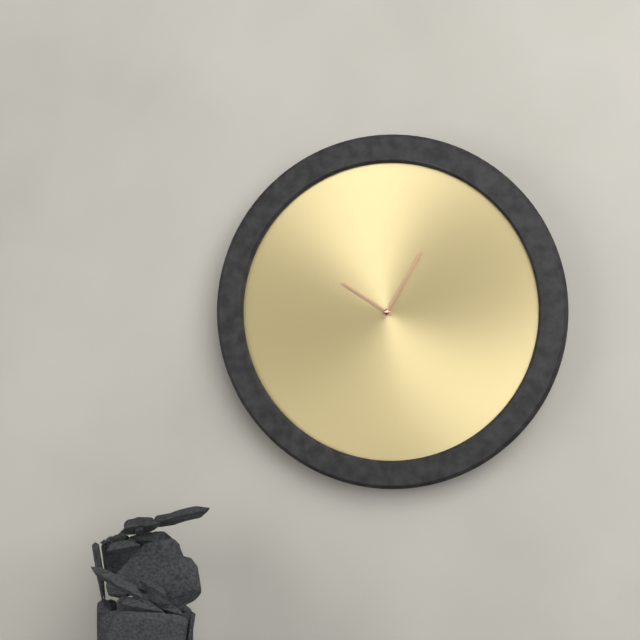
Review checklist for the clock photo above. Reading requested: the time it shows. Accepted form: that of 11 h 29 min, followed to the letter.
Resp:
10 h 05 min
